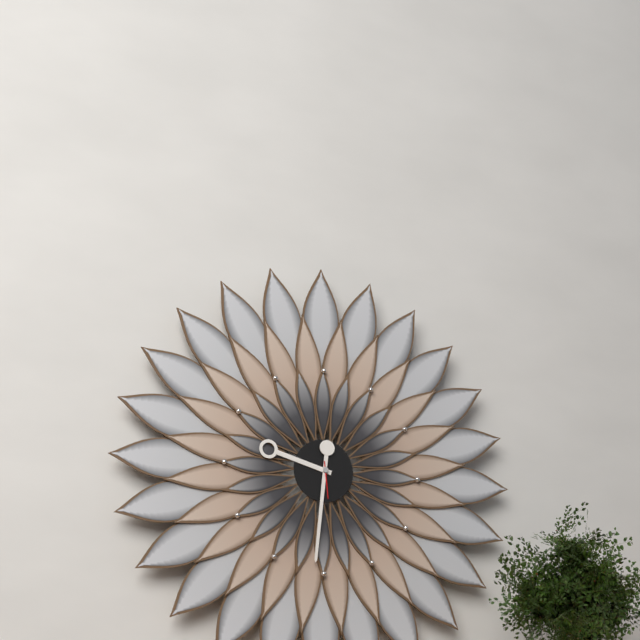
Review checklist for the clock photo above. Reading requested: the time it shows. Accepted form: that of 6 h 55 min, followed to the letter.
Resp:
9 h 31 min
